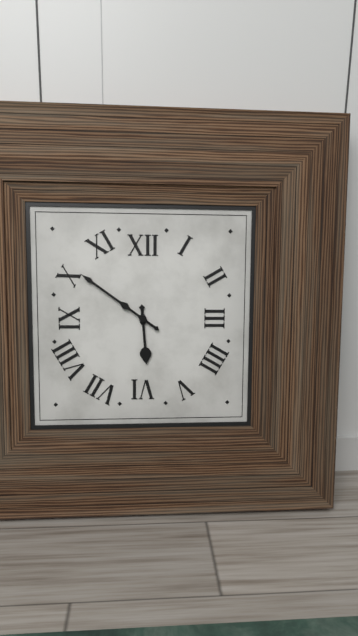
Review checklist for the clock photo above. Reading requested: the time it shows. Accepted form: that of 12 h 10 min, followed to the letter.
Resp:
5 h 51 min
